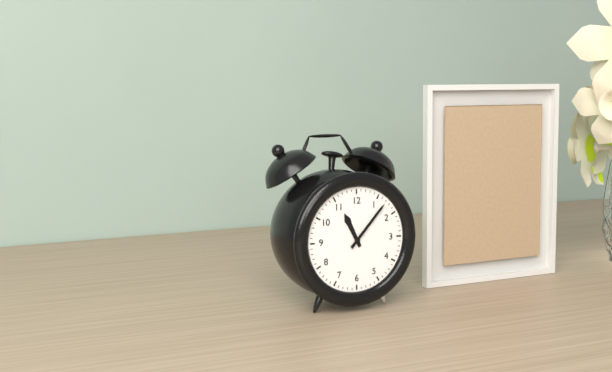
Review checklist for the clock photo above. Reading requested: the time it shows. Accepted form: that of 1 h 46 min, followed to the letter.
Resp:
11 h 07 min
